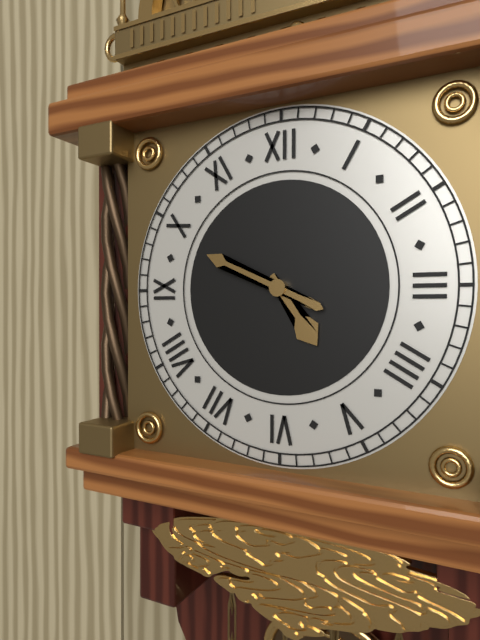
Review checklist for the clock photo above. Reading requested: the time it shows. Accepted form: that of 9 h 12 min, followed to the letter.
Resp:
4 h 49 min
